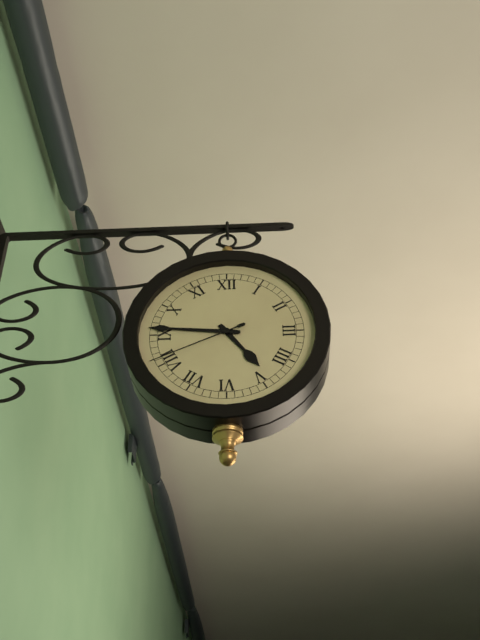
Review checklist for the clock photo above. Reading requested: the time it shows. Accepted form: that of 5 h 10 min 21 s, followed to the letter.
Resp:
4 h 46 min 41 s
